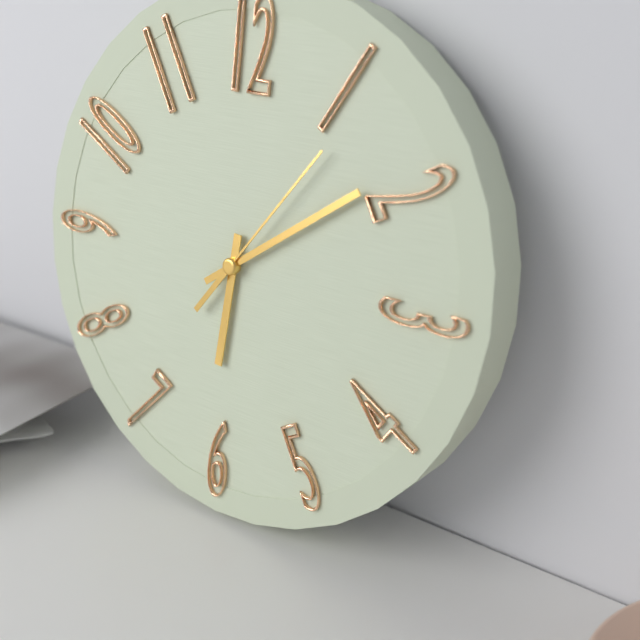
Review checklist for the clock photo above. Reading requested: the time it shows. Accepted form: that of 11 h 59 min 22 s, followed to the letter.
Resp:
6 h 09 min 06 s
